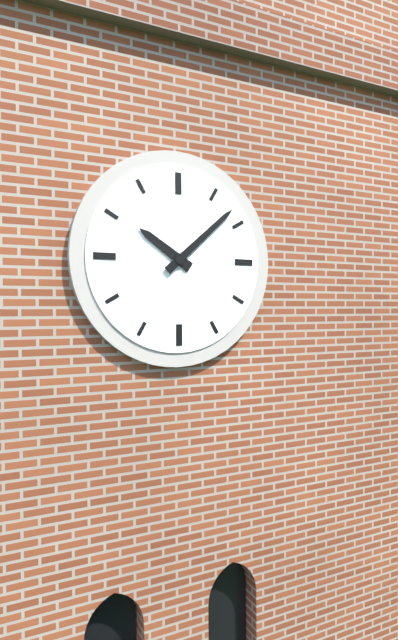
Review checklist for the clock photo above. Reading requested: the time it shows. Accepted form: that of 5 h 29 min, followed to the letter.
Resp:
10 h 08 min
